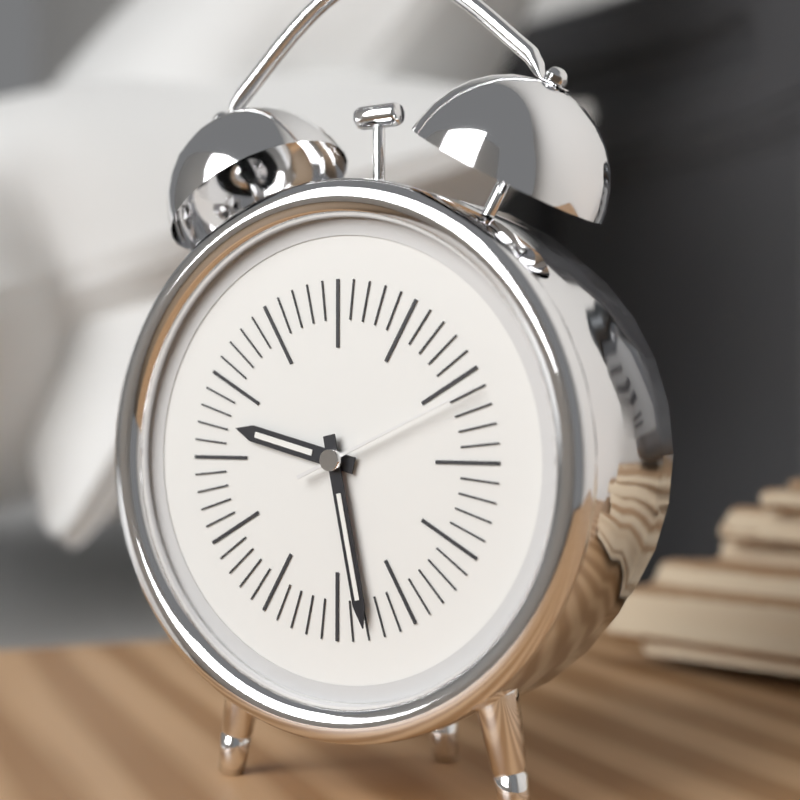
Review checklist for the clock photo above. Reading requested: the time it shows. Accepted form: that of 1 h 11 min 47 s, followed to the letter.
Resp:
9 h 28 min 11 s
